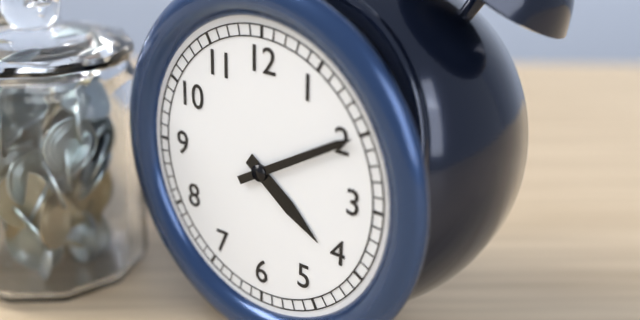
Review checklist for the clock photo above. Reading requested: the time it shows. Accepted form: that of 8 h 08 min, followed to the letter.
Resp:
4 h 10 min
